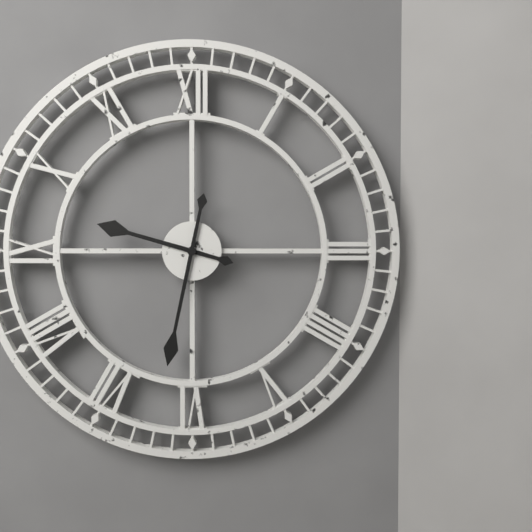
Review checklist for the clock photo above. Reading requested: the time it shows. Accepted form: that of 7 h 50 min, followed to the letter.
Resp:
9 h 32 min
